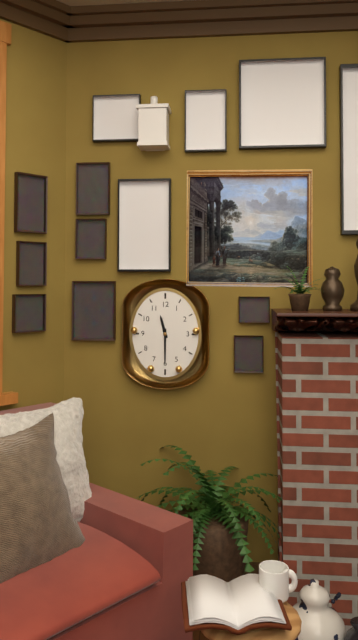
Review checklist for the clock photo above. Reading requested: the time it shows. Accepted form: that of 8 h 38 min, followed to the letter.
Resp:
11 h 30 min
